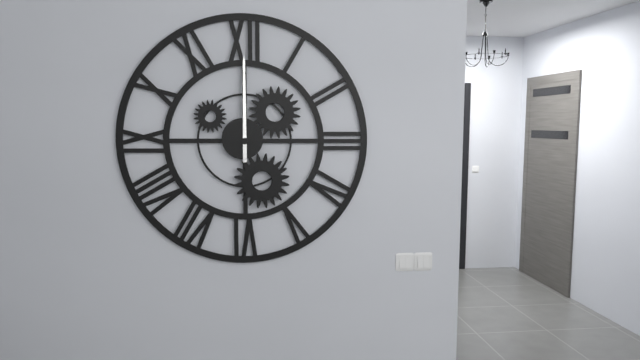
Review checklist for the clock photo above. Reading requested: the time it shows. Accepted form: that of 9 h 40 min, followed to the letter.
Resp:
12 h 00 min
